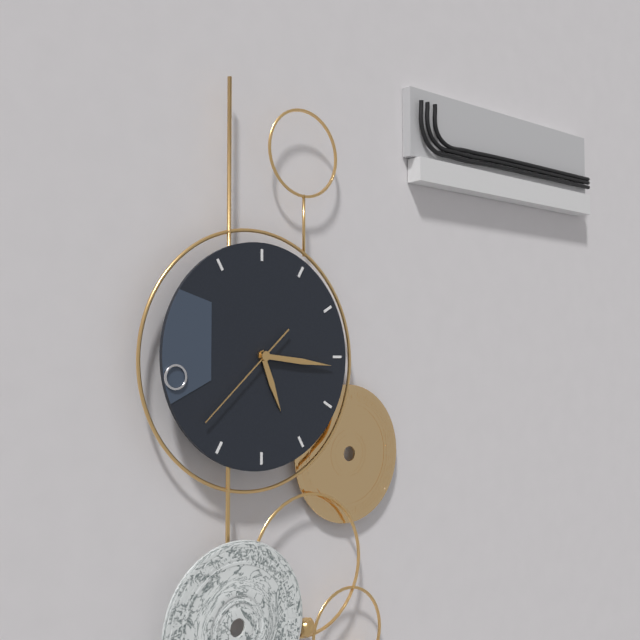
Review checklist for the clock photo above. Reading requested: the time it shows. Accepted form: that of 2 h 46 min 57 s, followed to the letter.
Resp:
5 h 16 min 38 s
